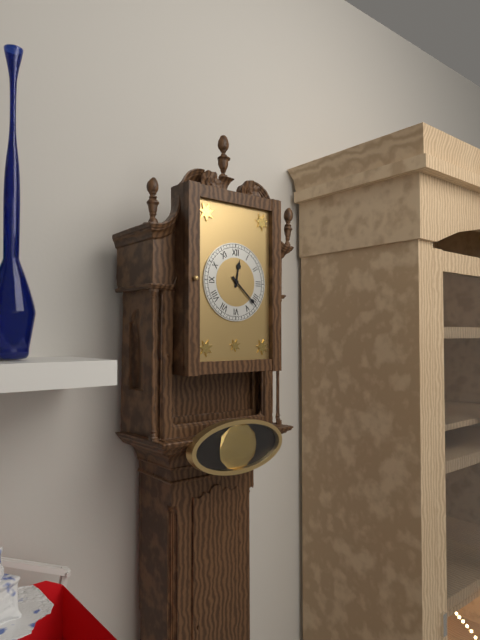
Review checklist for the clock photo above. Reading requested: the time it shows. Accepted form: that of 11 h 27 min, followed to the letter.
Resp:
12 h 22 min
